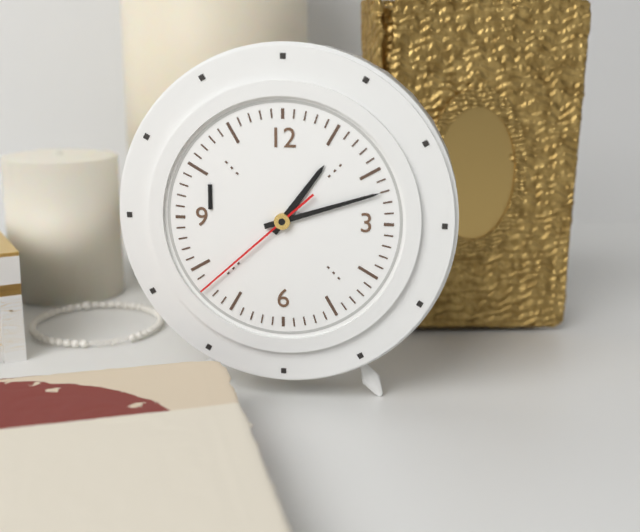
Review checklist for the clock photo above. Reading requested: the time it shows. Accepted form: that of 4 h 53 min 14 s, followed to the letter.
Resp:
1 h 12 min 38 s
